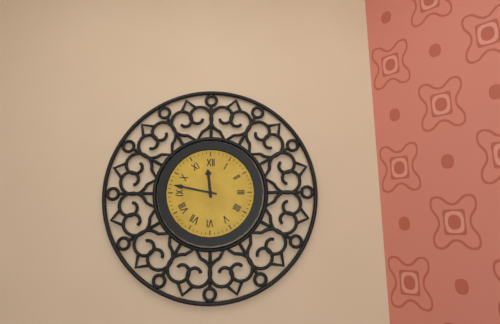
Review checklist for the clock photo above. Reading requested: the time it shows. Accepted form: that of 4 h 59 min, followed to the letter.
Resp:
11 h 47 min
